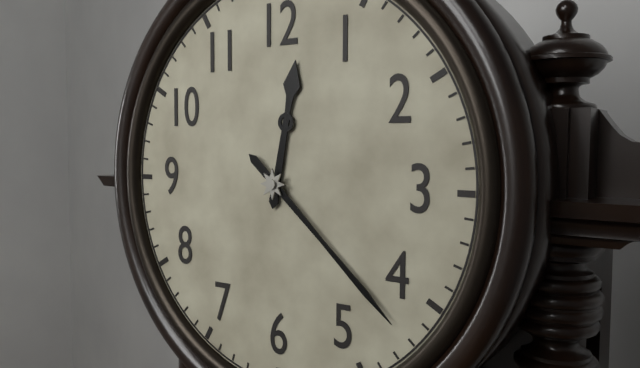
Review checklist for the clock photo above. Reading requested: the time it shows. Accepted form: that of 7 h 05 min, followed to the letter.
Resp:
12 h 22 min
